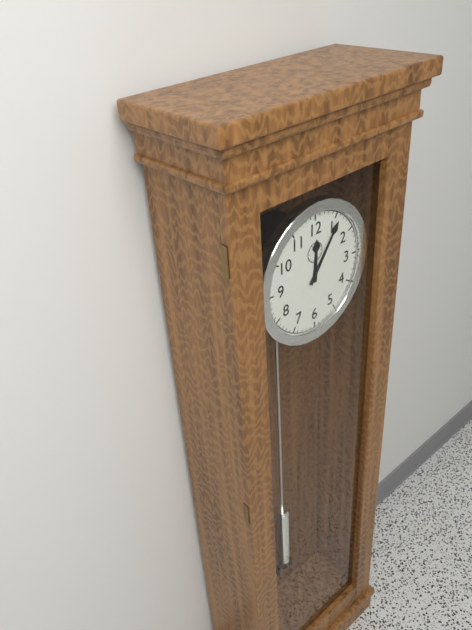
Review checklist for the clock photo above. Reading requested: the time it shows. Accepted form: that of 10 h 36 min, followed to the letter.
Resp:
12 h 06 min
